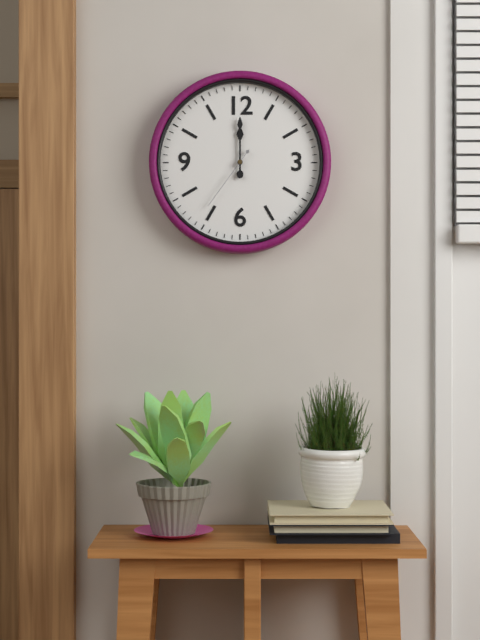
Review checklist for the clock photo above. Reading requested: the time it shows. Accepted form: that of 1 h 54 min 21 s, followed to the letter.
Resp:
12 h 00 min 36 s
